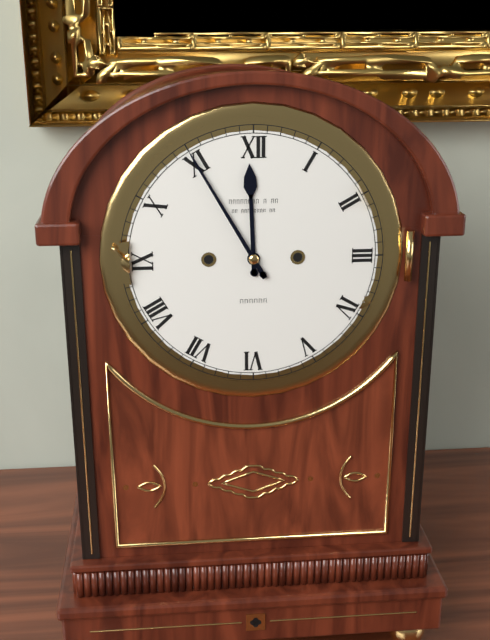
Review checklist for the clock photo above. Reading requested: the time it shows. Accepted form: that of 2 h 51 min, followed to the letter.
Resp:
11 h 55 min
